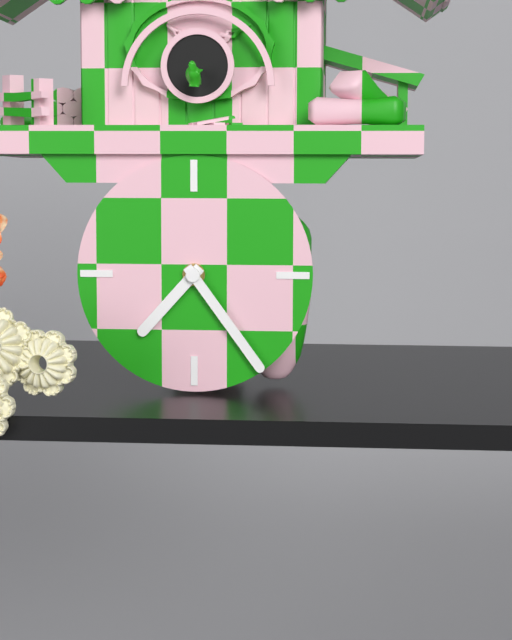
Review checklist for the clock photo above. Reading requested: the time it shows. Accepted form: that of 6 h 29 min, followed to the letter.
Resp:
7 h 24 min
